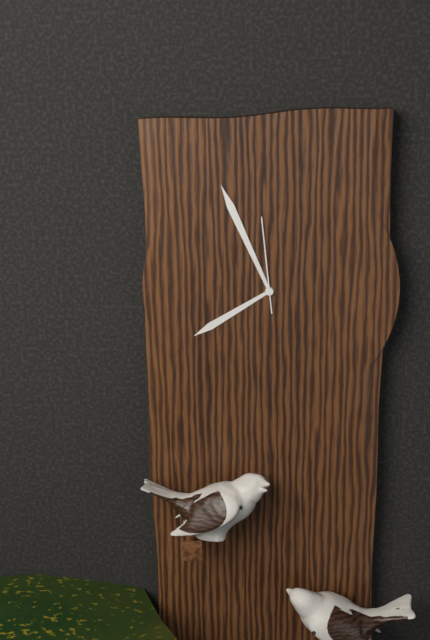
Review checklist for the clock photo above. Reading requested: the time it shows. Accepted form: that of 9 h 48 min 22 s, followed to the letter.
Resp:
7 h 56 min 59 s
